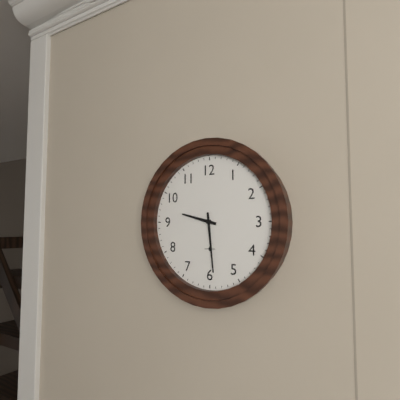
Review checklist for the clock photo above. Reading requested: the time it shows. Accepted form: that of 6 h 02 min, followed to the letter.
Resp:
9 h 29 min
